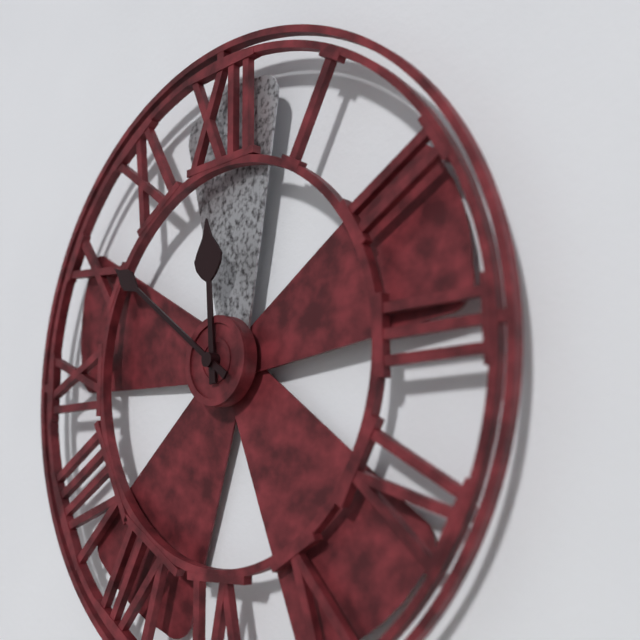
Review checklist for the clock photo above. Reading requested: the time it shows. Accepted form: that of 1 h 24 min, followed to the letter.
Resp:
11 h 51 min
